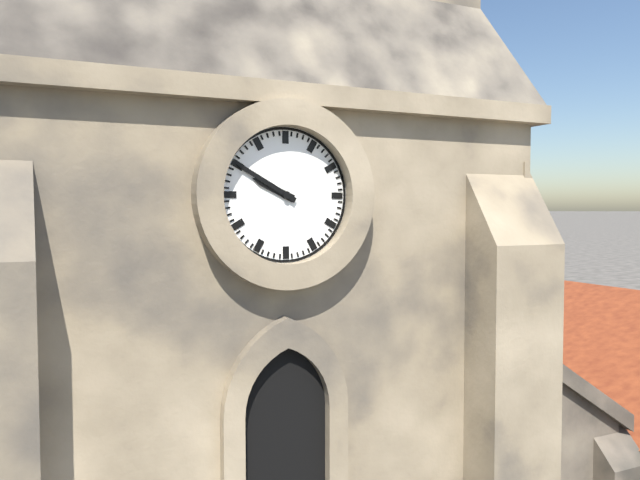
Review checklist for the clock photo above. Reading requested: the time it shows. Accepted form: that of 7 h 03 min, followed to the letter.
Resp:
9 h 50 min
